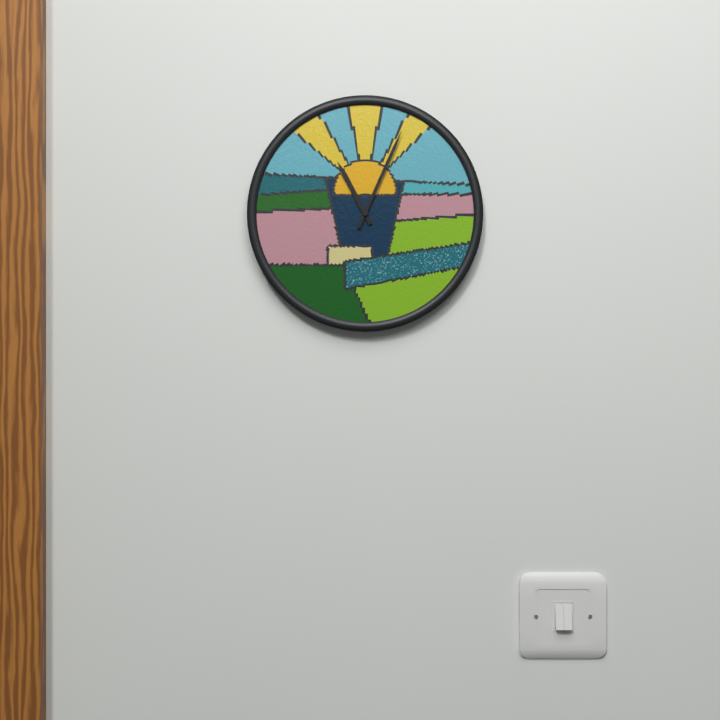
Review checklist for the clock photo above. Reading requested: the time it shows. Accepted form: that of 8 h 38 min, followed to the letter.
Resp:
11 h 04 min
